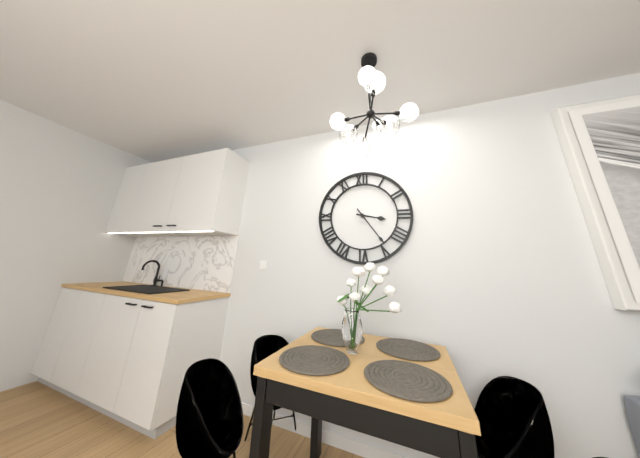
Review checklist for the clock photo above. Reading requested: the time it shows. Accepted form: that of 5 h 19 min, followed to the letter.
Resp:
3 h 24 min
